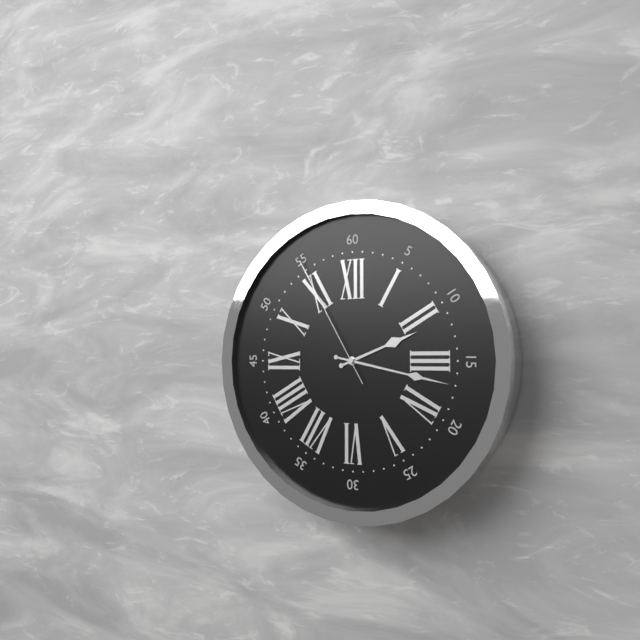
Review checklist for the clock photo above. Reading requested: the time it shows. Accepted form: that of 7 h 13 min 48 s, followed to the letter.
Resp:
2 h 17 min 55 s
